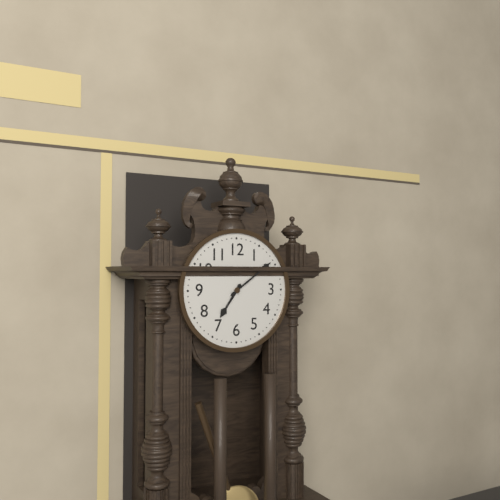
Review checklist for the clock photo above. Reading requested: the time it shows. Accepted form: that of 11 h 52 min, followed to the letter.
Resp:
7 h 09 min
